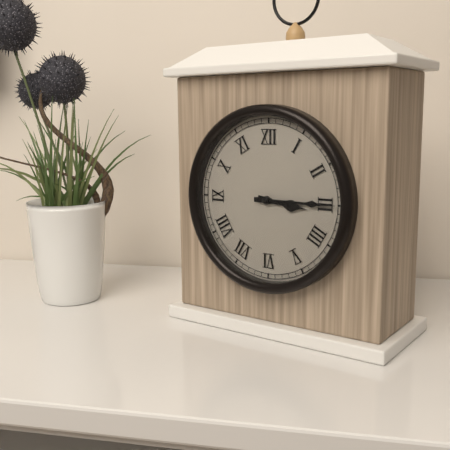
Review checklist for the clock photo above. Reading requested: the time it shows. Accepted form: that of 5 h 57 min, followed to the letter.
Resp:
3 h 15 min
